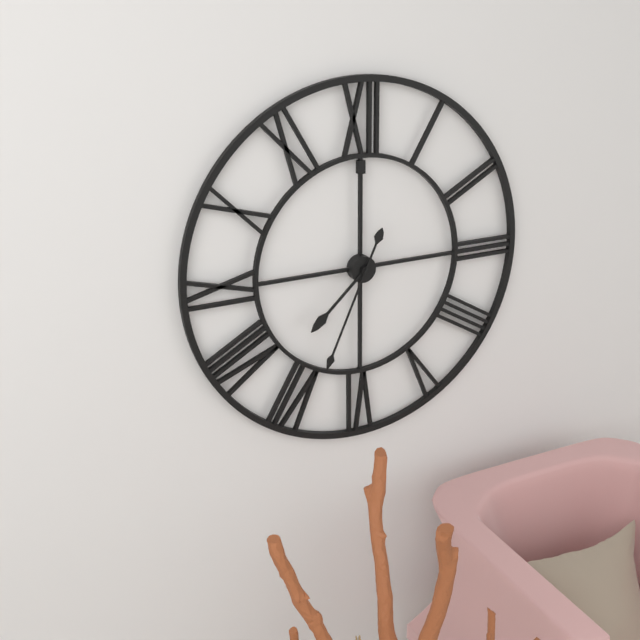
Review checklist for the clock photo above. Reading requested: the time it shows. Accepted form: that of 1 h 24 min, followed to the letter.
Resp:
7 h 34 min
